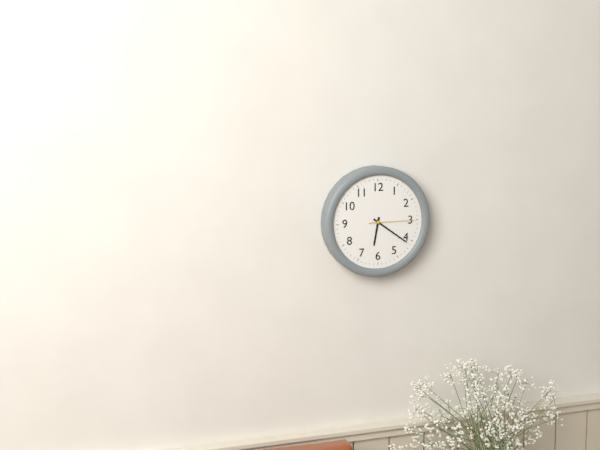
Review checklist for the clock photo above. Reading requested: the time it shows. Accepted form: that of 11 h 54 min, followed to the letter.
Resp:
6 h 21 min
